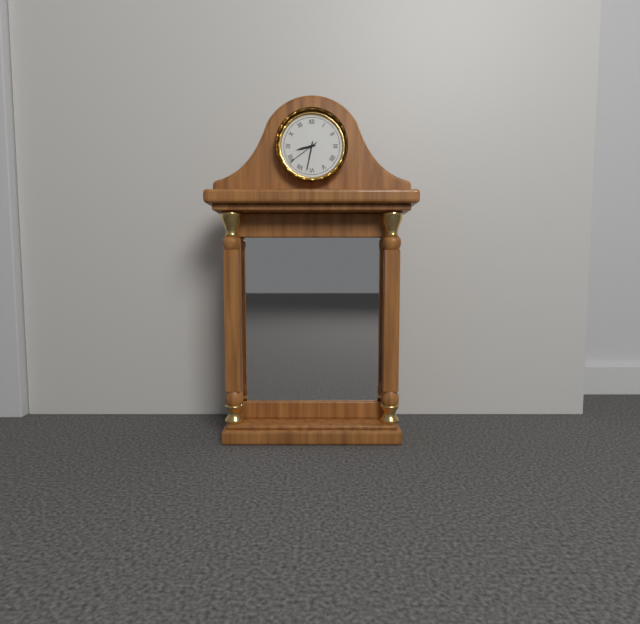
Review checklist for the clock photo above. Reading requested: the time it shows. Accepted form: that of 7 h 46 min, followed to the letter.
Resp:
8 h 32 min
